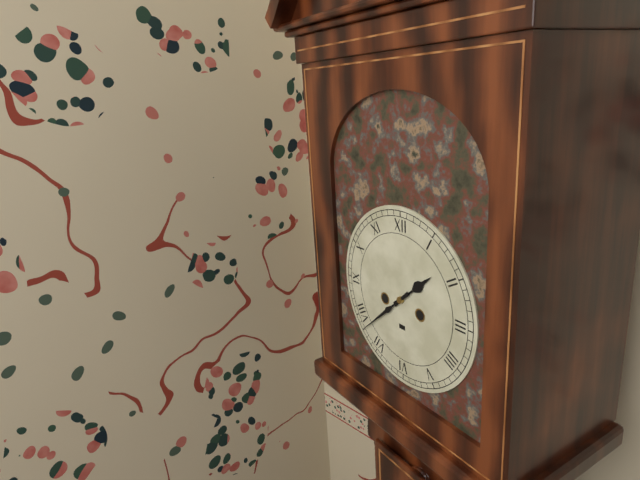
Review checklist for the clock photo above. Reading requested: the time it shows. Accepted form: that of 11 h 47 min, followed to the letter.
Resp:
1 h 38 min
